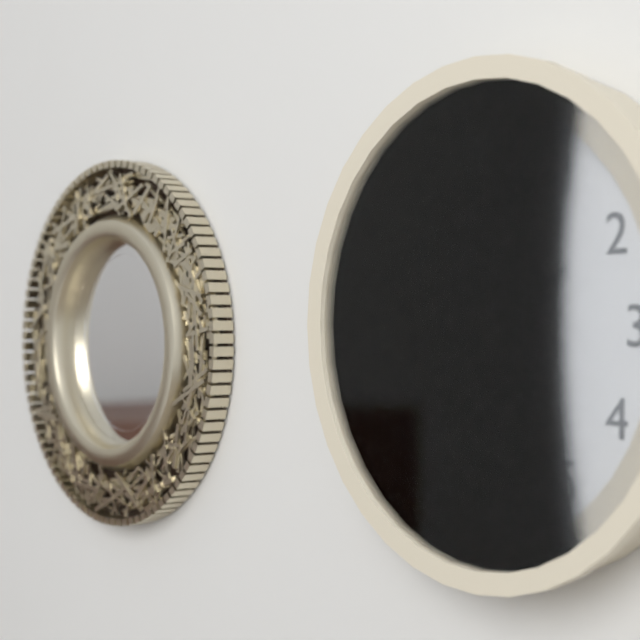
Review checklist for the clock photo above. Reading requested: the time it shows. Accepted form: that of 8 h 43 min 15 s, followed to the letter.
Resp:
1 h 55 min 03 s
